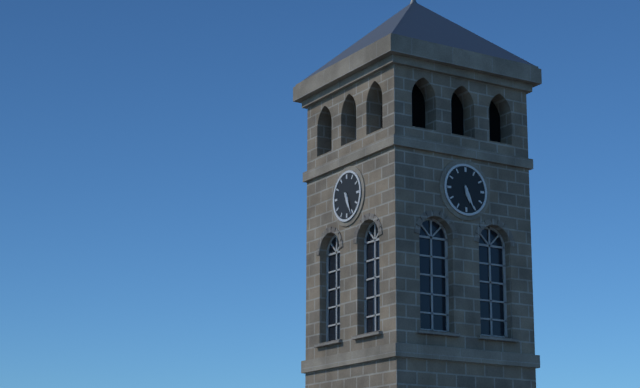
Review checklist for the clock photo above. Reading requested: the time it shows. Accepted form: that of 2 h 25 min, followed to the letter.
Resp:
5 h 26 min
